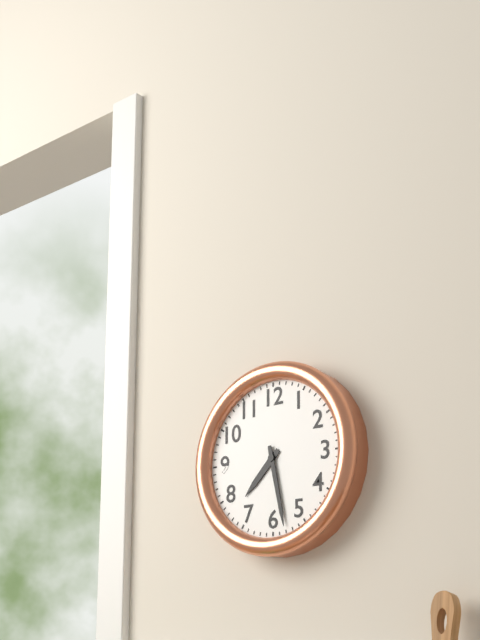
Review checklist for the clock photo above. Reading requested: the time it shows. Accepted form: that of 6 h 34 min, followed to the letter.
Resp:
7 h 28 min
